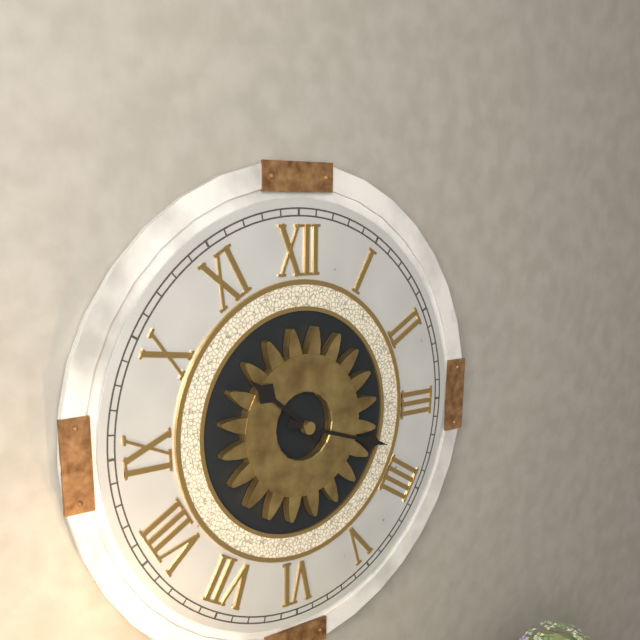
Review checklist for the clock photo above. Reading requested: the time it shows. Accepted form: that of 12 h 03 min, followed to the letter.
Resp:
10 h 18 min
